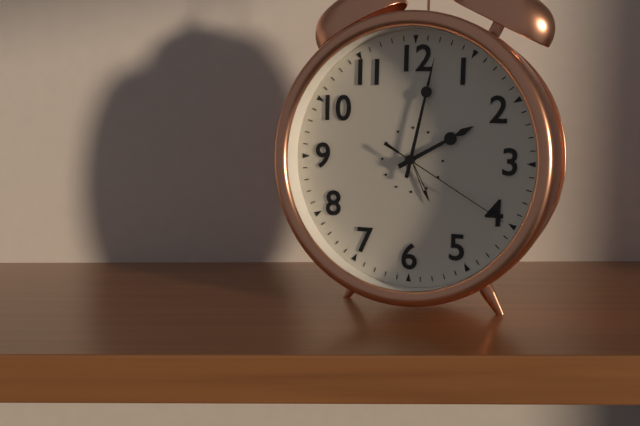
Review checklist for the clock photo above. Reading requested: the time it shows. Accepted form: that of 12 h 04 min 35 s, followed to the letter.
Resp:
2 h 02 min 20 s
